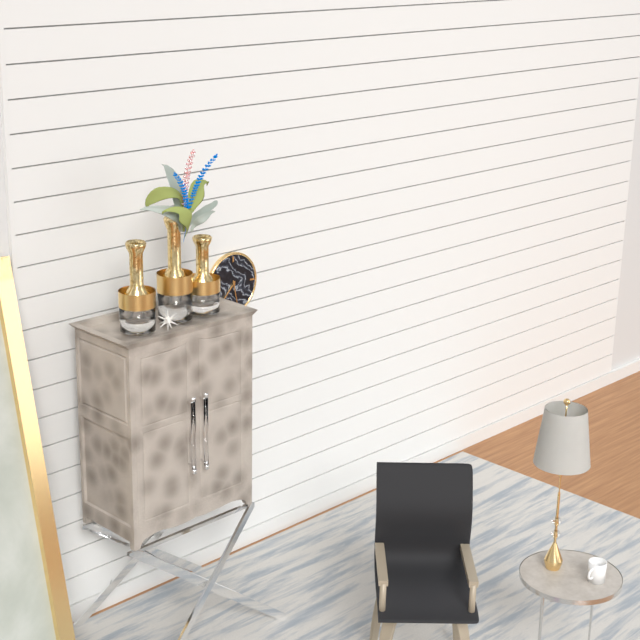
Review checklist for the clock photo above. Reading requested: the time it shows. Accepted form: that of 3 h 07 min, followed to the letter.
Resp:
7 h 28 min
